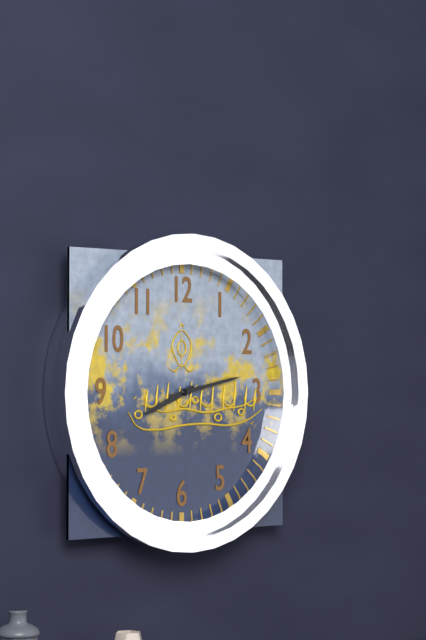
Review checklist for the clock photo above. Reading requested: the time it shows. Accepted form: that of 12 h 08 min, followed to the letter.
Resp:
8 h 13 min
